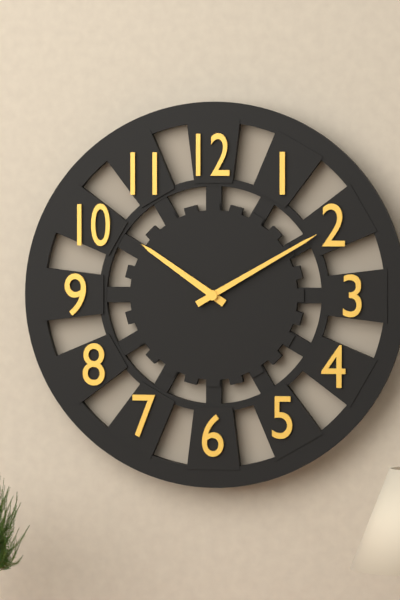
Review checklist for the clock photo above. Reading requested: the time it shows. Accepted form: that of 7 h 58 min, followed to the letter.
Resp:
10 h 10 min
